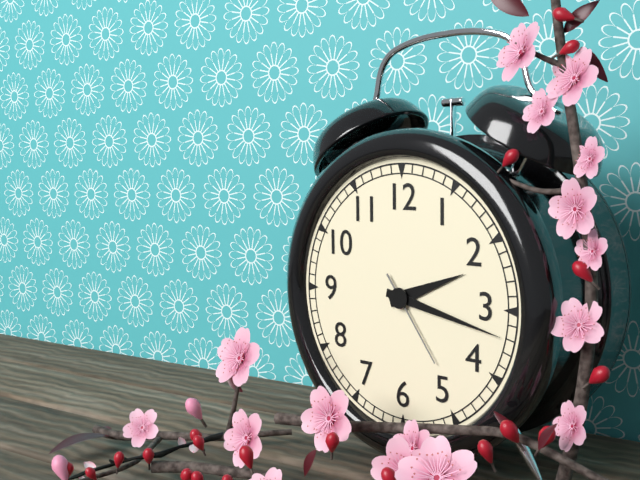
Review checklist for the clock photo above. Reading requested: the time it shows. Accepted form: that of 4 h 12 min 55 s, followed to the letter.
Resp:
2 h 17 min 24 s
